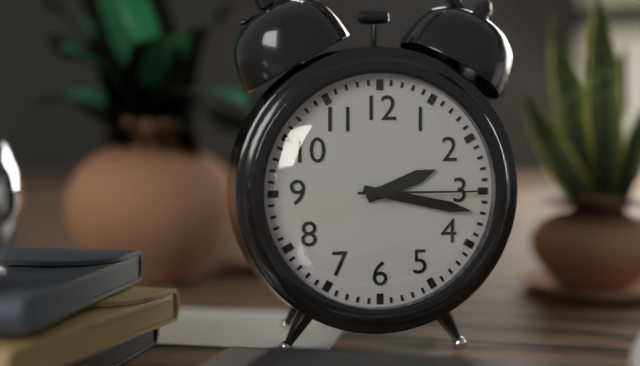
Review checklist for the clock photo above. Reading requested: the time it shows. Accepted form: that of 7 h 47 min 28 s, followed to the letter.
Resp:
2 h 17 min 15 s
